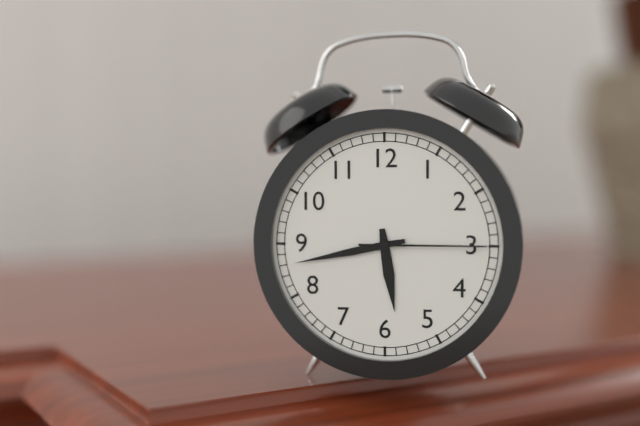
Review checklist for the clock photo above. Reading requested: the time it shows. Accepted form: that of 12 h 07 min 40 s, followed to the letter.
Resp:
5 h 43 min 15 s
